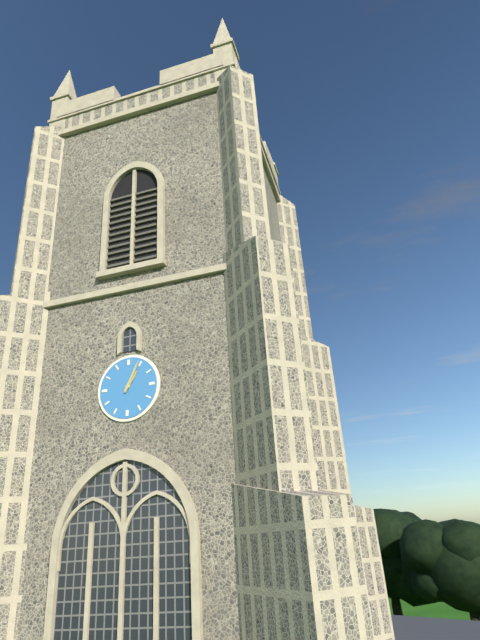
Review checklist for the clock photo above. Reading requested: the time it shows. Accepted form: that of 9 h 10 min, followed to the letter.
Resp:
1 h 04 min
